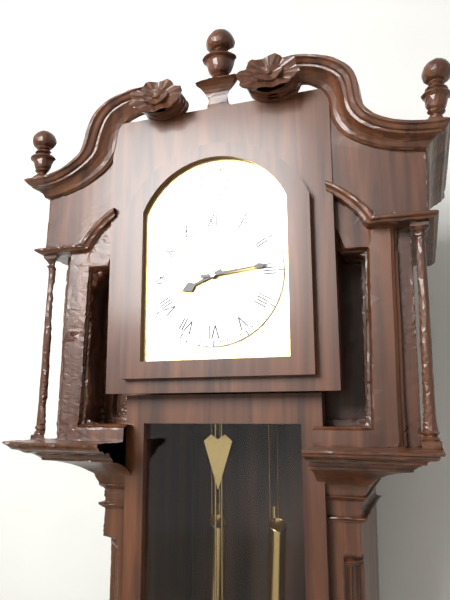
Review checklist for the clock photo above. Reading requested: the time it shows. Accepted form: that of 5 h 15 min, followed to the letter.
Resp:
8 h 14 min
